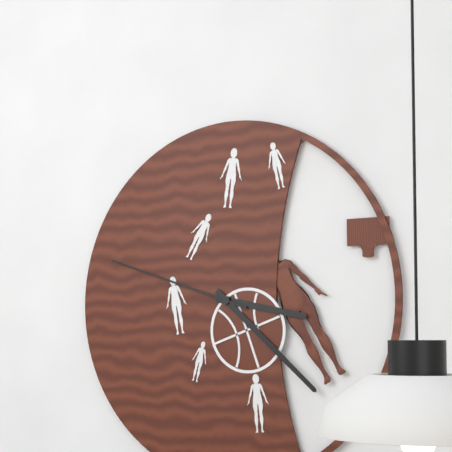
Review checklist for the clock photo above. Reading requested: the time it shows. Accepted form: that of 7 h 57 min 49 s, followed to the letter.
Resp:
3 h 22 min 48 s
